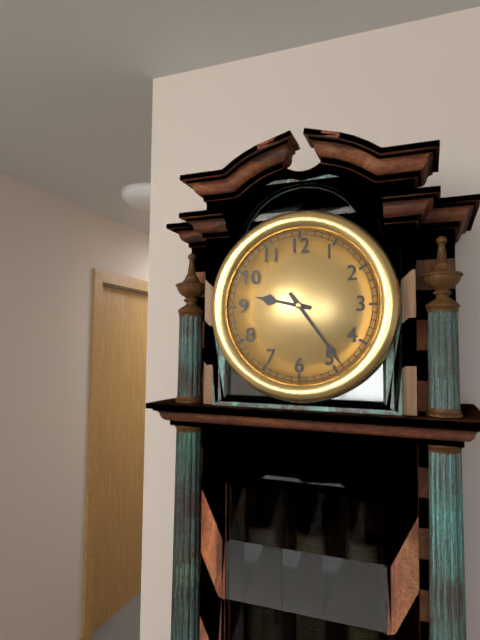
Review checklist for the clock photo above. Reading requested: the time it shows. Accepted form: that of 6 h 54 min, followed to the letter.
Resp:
9 h 24 min
